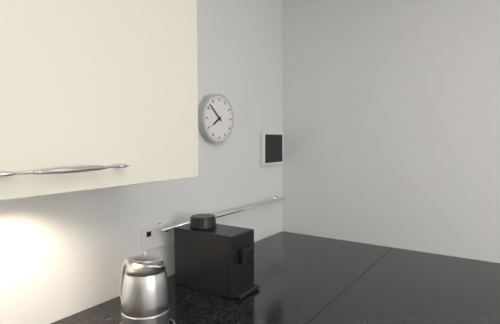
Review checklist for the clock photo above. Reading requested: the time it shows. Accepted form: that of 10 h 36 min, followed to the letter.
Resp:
7 h 52 min
